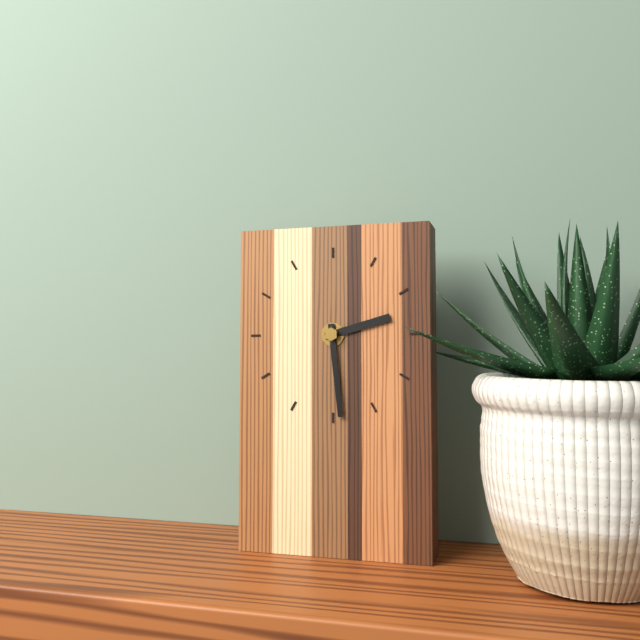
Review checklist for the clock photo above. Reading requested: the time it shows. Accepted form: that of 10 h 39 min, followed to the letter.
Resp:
2 h 29 min
